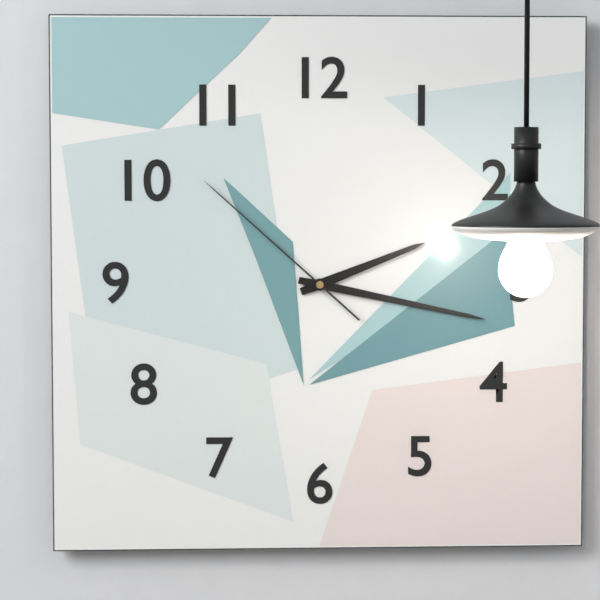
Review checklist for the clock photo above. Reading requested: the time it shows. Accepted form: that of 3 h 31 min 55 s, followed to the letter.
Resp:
2 h 17 min 52 s
